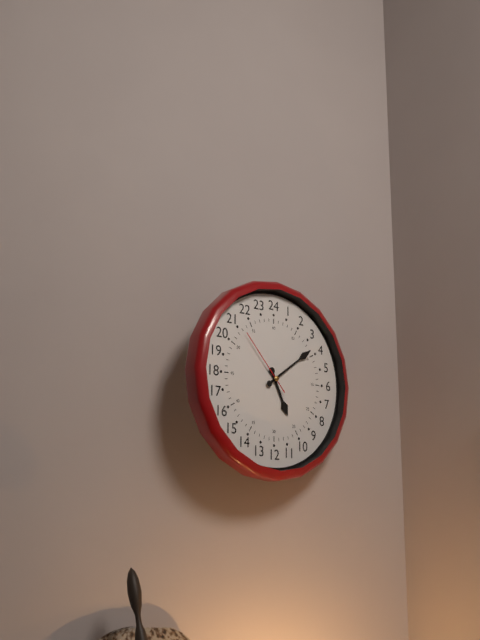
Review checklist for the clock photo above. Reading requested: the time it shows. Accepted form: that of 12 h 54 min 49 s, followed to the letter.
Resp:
5 h 09 min 53 s
